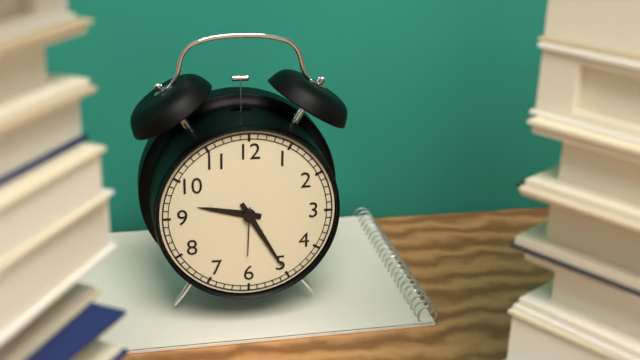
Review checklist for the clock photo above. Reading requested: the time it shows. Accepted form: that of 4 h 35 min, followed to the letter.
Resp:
9 h 25 min
